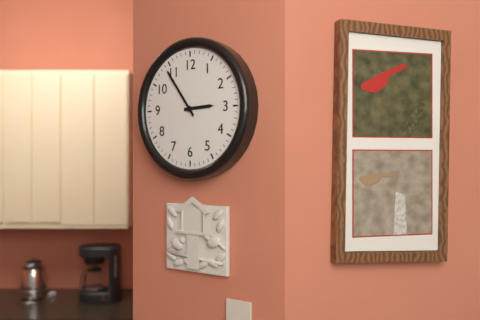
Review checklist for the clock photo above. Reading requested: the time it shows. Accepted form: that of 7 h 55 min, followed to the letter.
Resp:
2 h 54 min
